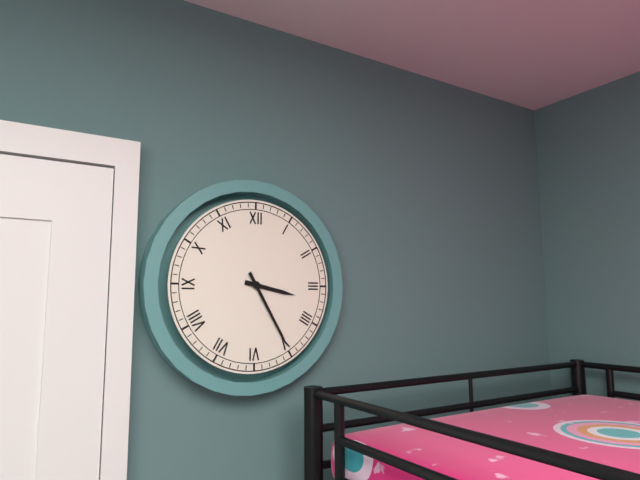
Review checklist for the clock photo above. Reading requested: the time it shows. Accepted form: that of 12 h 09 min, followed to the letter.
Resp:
3 h 25 min
